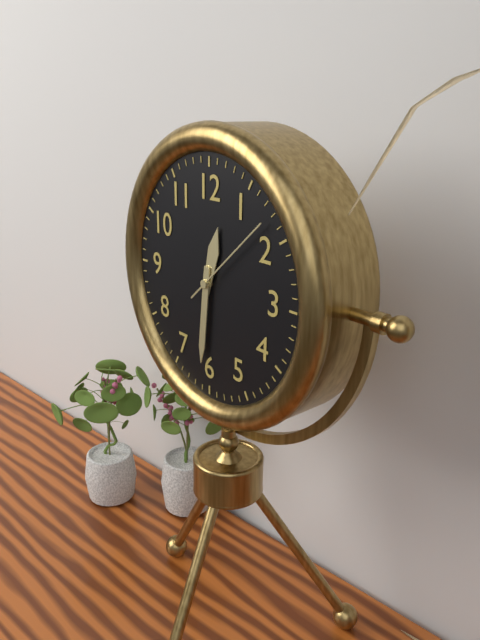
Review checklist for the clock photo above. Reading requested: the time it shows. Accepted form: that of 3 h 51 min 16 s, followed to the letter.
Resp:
12 h 31 min 08 s
